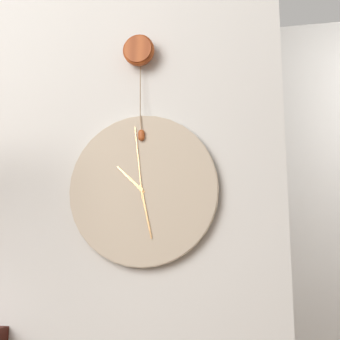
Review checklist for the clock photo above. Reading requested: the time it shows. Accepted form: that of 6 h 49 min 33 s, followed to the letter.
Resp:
10 h 28 min 59 s
